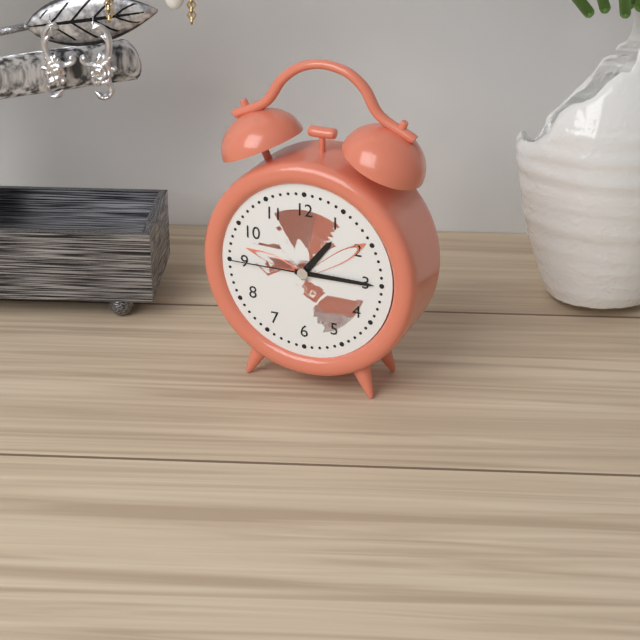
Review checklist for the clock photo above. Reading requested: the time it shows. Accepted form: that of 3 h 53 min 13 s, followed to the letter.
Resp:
1 h 15 min 45 s
